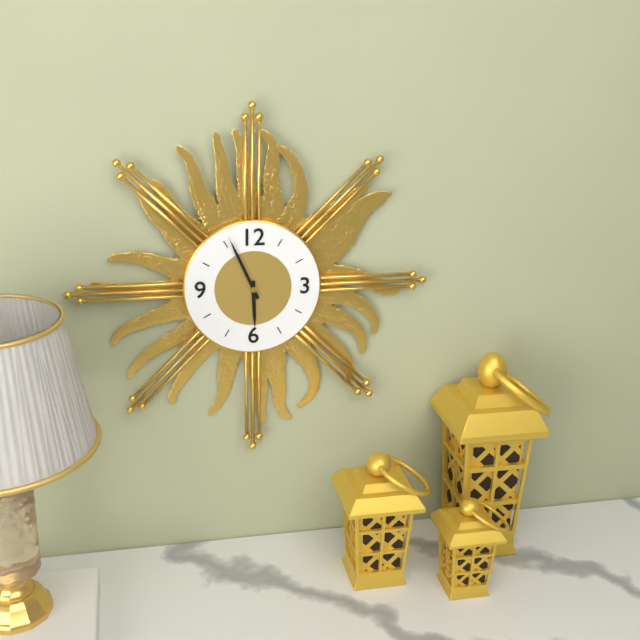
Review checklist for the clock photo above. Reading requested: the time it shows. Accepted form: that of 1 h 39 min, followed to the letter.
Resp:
5 h 56 min
